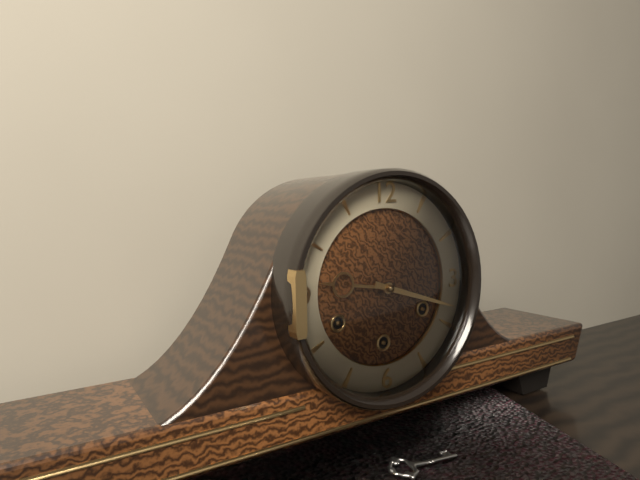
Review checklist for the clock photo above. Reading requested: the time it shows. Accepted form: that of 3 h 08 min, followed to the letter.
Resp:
9 h 18 min
